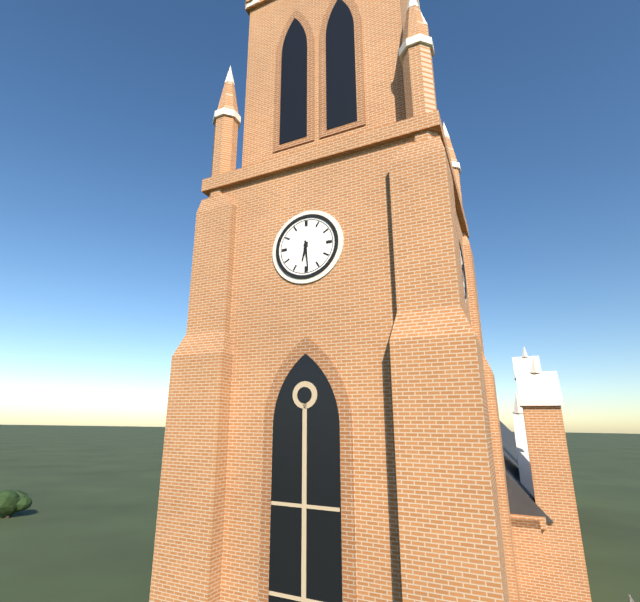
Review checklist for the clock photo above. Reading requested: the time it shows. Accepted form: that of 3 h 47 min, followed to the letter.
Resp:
6 h 29 min
